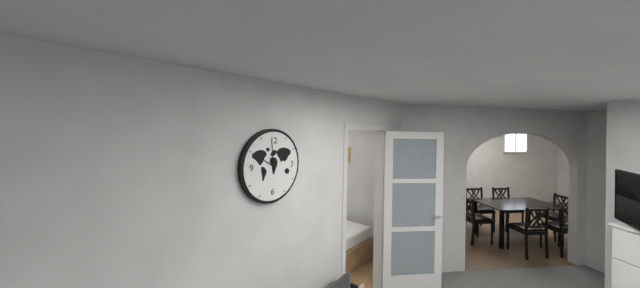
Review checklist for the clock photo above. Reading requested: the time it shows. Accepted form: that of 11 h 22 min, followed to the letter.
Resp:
9 h 59 min
